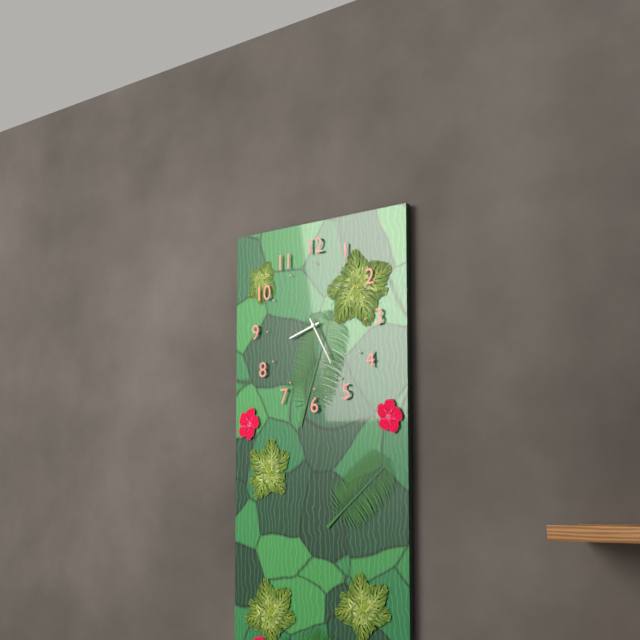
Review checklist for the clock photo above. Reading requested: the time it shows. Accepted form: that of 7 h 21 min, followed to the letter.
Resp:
8 h 25 min
